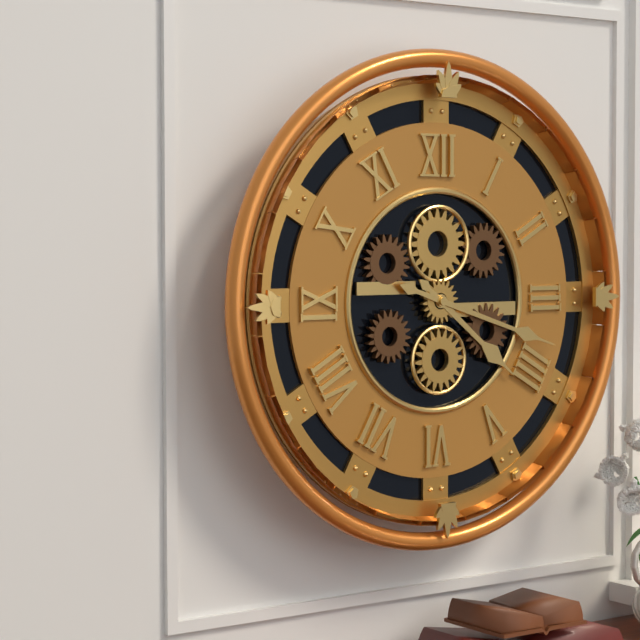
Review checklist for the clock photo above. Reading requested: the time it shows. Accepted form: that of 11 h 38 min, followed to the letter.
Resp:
4 h 18 min
